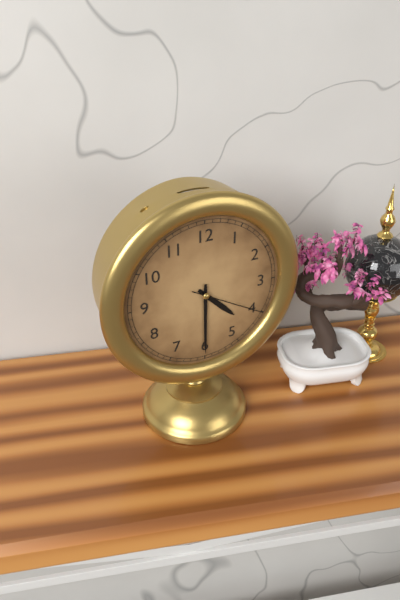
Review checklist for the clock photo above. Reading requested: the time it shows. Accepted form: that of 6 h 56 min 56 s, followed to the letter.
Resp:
4 h 30 min 20 s
